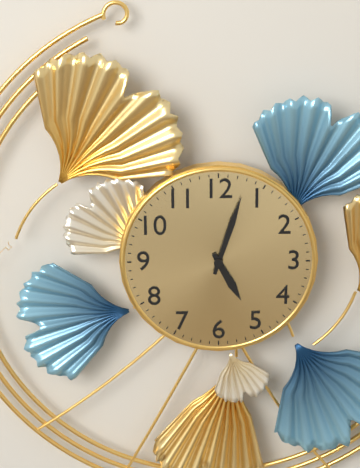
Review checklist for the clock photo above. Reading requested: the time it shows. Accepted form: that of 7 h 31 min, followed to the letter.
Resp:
5 h 03 min
